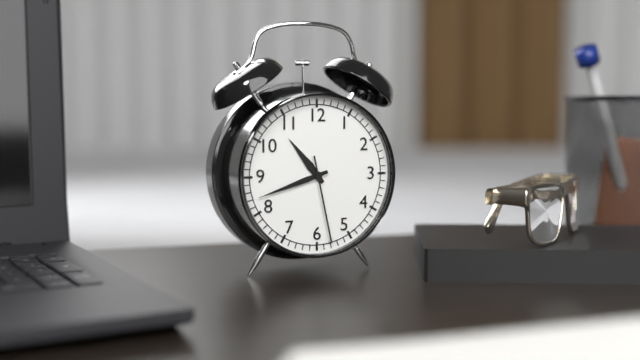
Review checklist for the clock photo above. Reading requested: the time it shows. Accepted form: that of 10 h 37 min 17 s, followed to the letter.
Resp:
10 h 42 min 28 s
